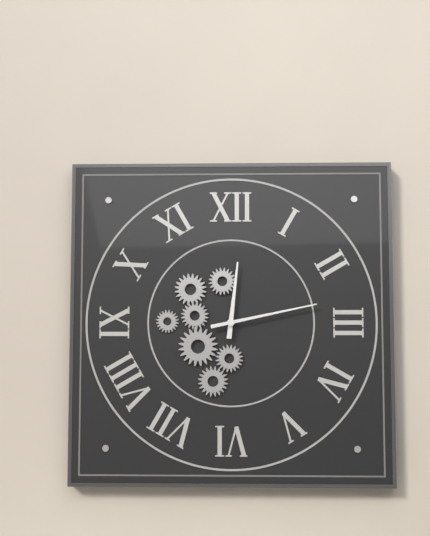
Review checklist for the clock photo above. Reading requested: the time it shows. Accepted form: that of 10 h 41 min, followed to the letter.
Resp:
12 h 13 min
